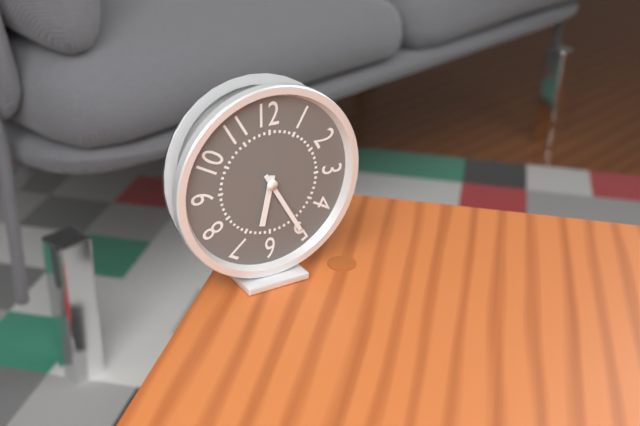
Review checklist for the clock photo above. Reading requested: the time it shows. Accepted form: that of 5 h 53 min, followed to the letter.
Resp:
6 h 25 min
